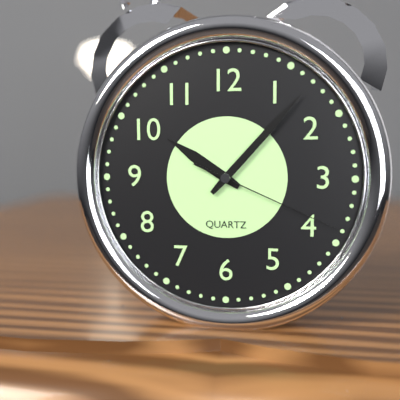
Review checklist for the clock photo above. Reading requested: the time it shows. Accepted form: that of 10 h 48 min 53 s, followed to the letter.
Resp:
10 h 07 min 19 s
